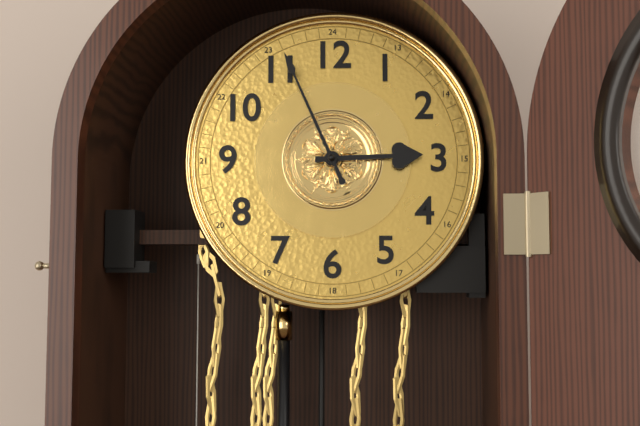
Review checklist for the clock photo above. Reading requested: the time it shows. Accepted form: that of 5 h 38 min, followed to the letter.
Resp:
2 h 56 min
